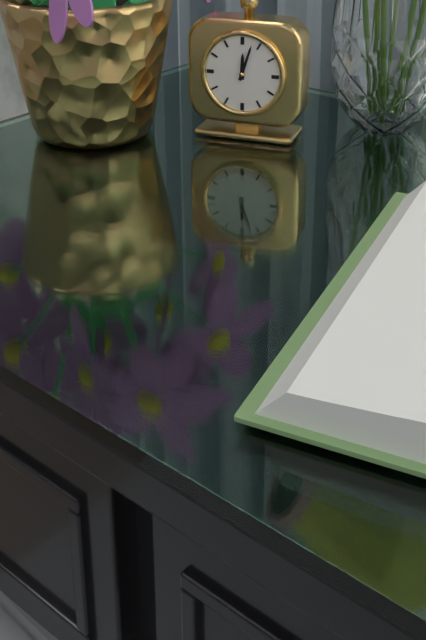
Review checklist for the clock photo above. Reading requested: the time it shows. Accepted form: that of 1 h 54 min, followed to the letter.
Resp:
12 h 03 min
